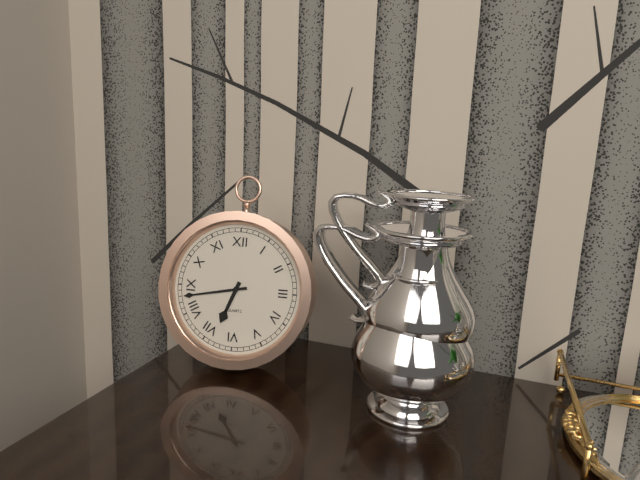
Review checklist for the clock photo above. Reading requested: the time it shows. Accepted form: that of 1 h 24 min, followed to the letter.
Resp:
6 h 43 min
